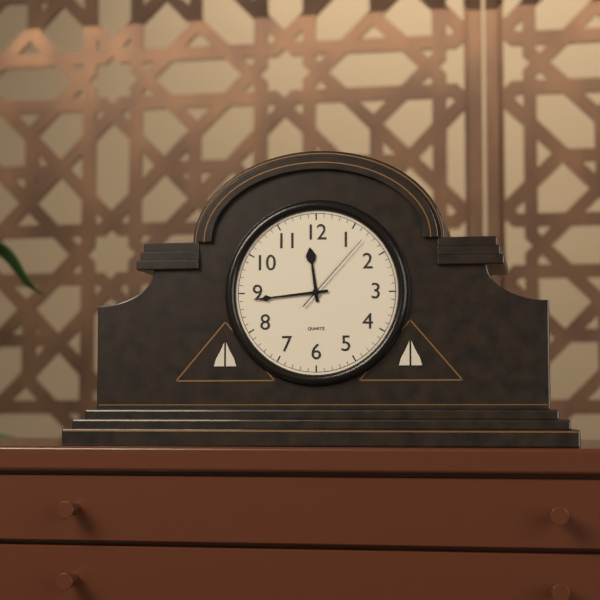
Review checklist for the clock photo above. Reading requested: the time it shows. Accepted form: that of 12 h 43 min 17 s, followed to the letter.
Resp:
11 h 44 min 07 s
